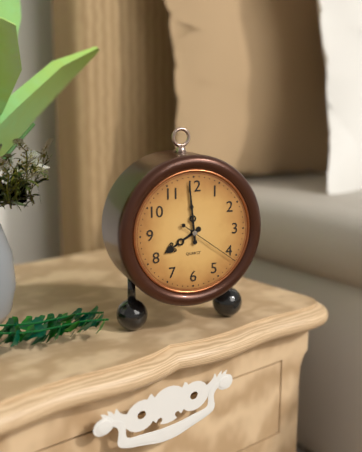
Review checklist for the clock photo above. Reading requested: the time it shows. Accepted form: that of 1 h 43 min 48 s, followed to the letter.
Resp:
7 h 59 min 21 s
